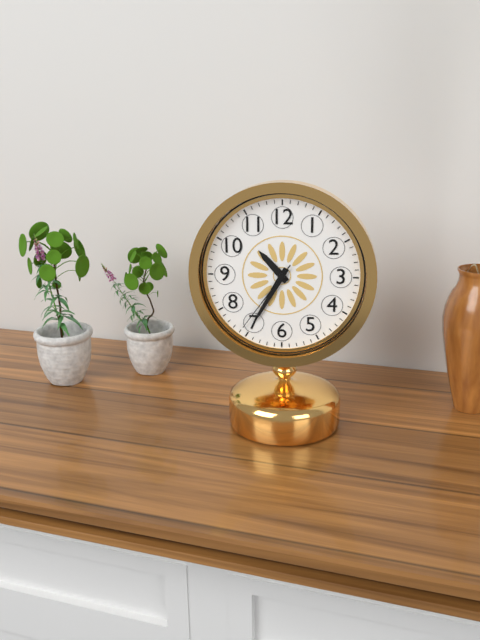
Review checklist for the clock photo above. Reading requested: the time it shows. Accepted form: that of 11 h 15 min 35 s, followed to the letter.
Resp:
10 h 35 min 36 s
